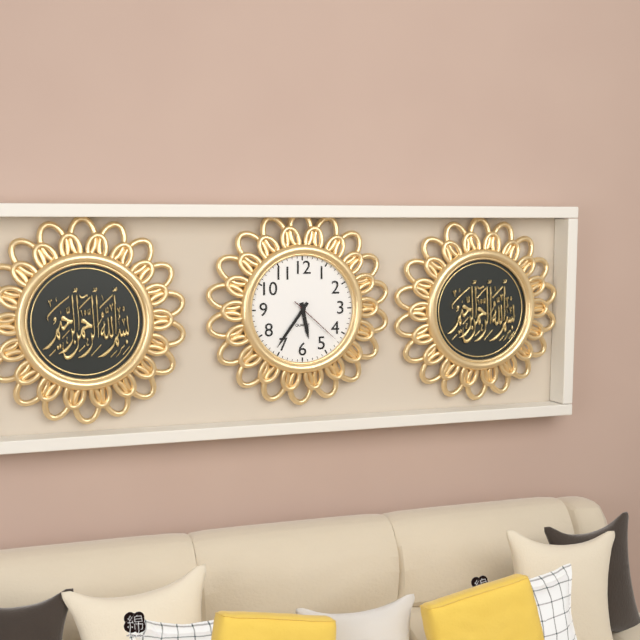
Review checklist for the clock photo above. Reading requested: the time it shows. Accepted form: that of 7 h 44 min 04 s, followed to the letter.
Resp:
5 h 36 min 22 s
